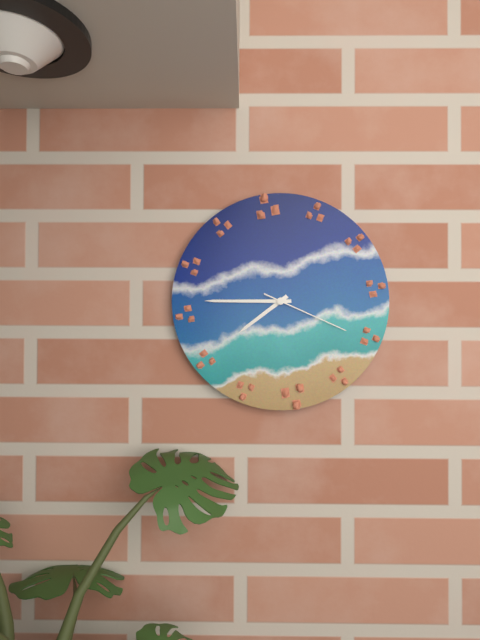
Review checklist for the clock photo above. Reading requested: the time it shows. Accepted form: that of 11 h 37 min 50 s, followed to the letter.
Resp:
7 h 45 min 19 s
